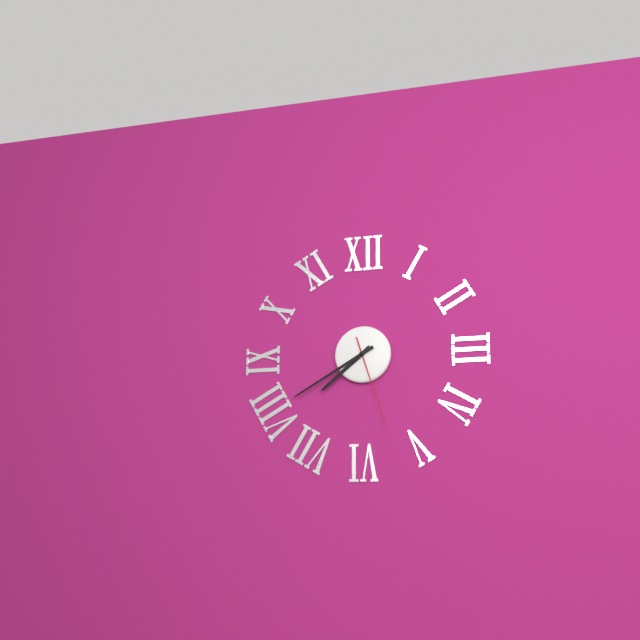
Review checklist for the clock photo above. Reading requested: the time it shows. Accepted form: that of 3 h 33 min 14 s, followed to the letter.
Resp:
7 h 40 min 27 s
